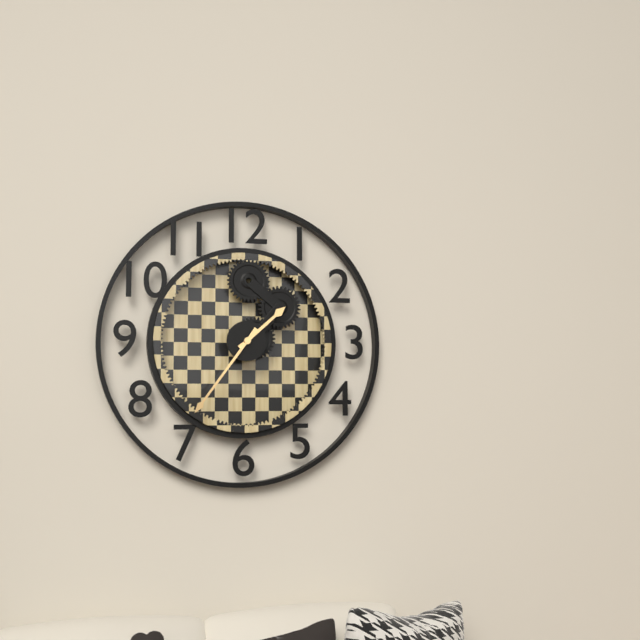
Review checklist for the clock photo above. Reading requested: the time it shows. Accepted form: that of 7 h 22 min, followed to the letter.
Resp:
1 h 36 min
